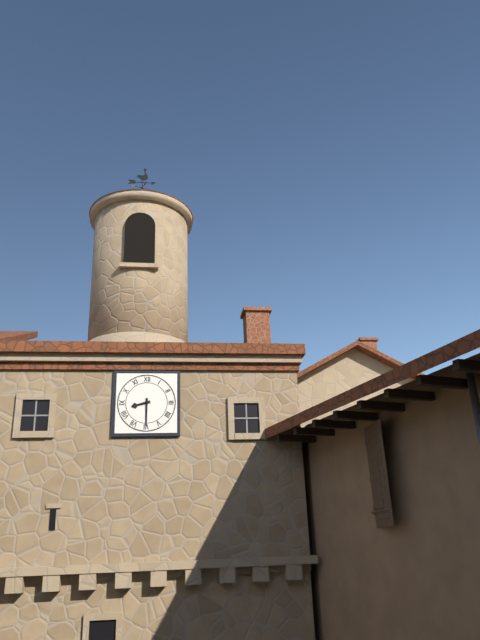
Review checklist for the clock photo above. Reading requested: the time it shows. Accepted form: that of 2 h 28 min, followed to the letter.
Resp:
8 h 30 min
